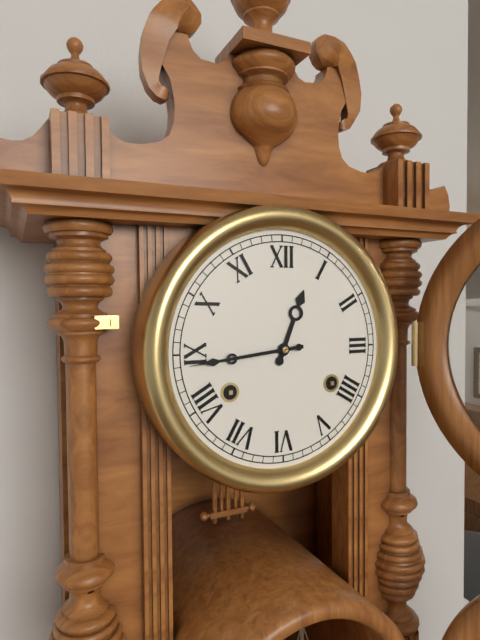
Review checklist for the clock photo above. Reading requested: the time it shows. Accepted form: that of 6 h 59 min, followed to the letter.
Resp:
12 h 44 min
